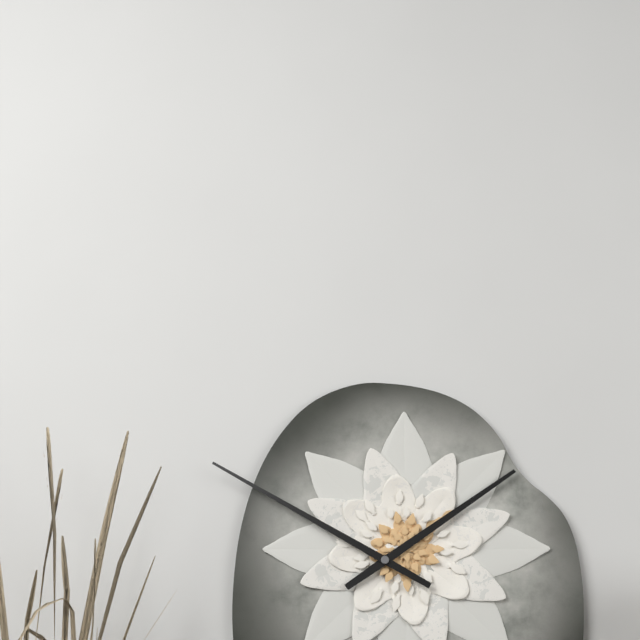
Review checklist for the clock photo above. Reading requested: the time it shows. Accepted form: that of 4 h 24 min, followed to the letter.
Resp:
1 h 50 min
